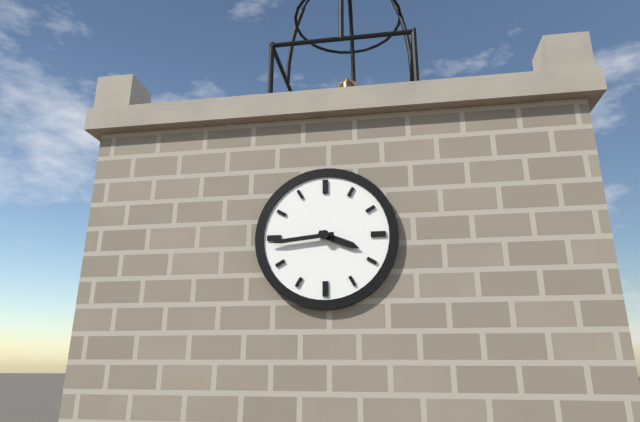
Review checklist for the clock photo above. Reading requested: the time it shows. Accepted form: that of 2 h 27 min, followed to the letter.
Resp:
3 h 44 min
